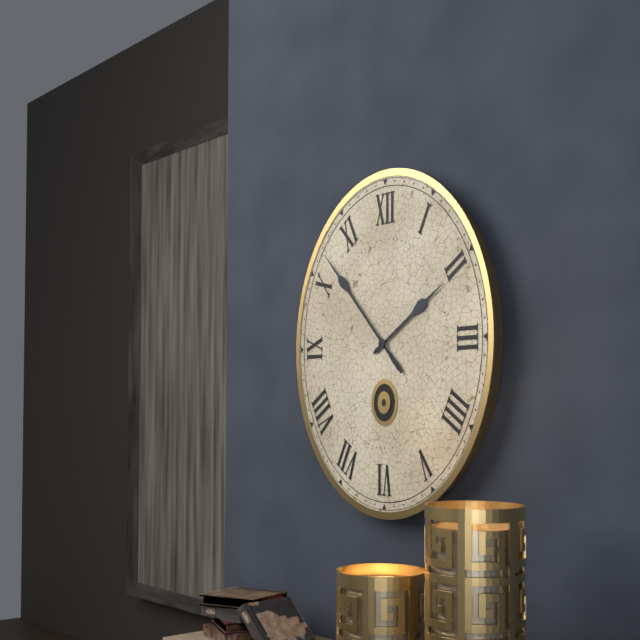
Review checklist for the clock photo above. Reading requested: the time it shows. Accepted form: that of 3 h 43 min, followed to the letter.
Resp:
1 h 53 min
